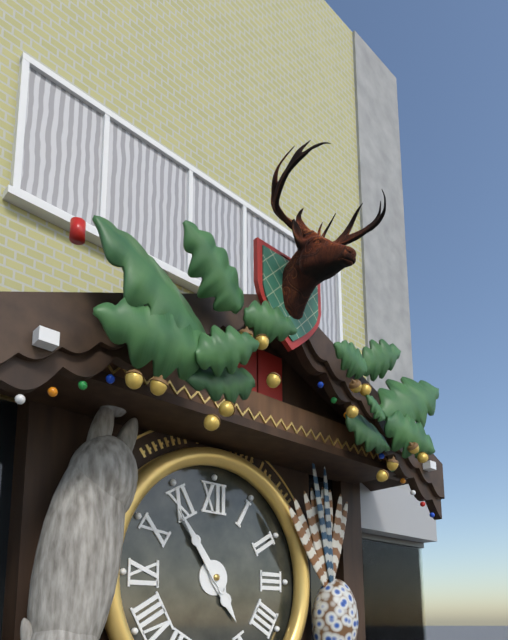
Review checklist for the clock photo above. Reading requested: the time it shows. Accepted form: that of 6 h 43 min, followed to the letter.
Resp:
4 h 54 min
